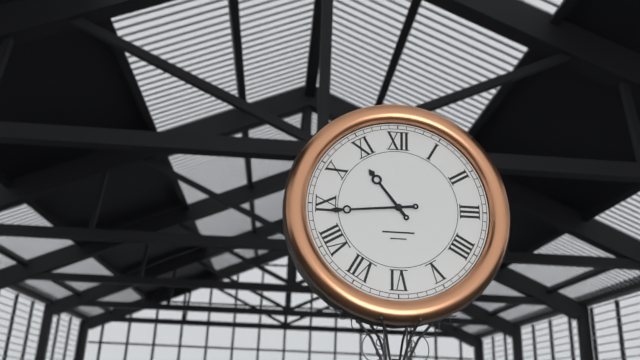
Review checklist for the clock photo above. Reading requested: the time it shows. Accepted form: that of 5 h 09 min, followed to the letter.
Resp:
10 h 44 min
